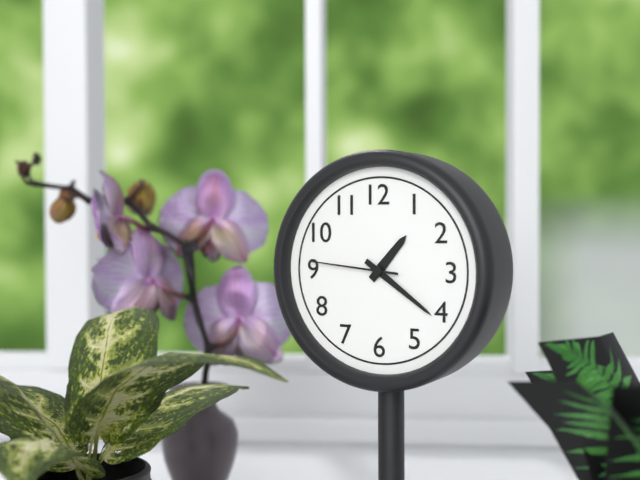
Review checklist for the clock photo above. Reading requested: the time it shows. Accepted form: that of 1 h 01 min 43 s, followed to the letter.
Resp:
1 h 21 min 46 s
